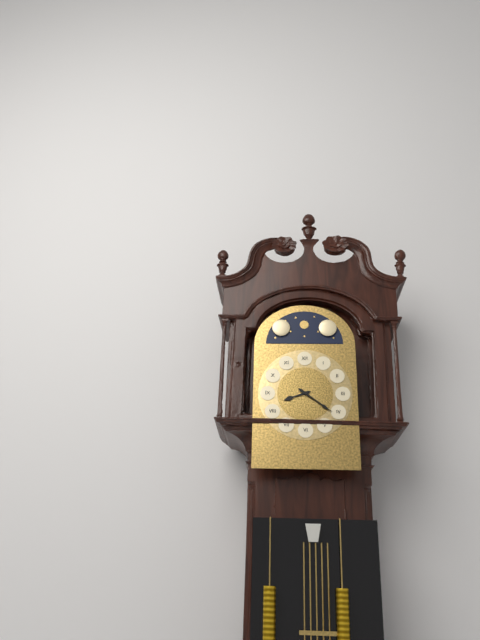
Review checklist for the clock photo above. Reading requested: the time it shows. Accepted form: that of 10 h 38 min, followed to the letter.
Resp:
8 h 21 min
